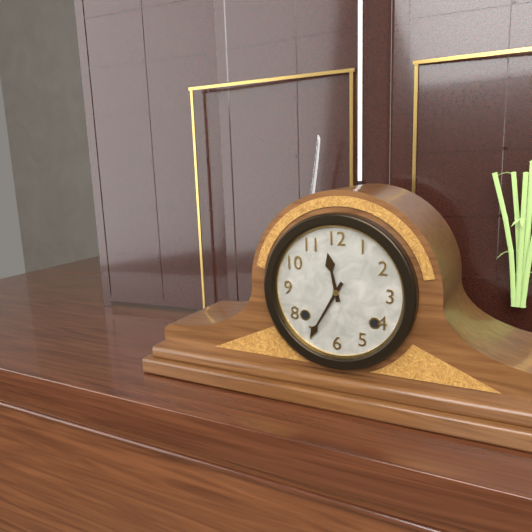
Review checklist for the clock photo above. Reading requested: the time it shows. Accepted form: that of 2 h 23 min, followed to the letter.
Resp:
11 h 35 min
